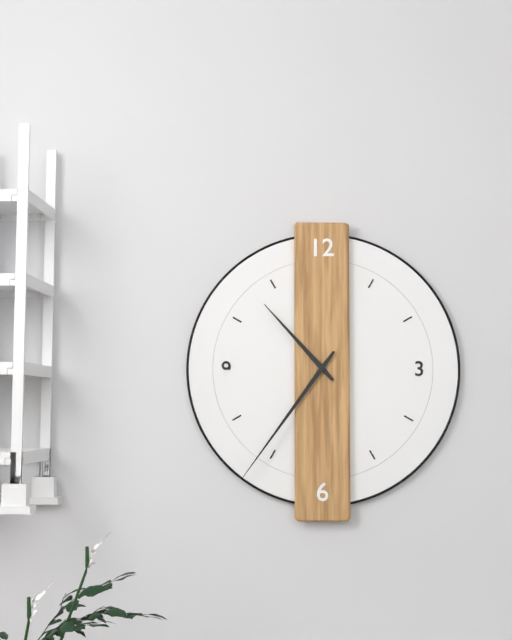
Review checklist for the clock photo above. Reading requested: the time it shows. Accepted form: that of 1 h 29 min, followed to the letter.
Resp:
10 h 36 min
